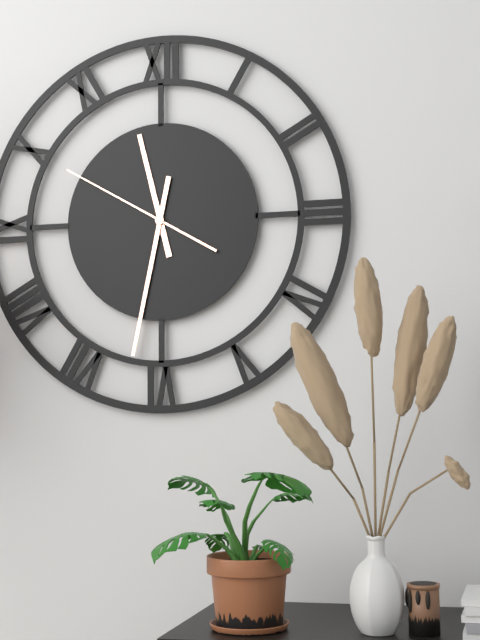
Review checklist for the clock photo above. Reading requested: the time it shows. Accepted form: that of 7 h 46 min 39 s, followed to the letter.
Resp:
11 h 32 min 50 s
